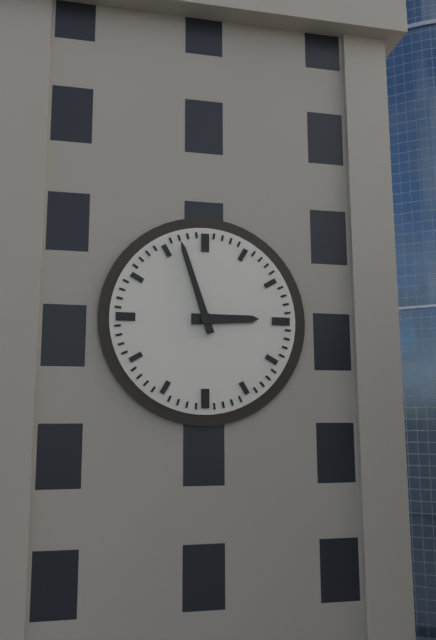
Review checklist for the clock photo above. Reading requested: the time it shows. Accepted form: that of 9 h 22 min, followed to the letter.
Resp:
2 h 57 min
